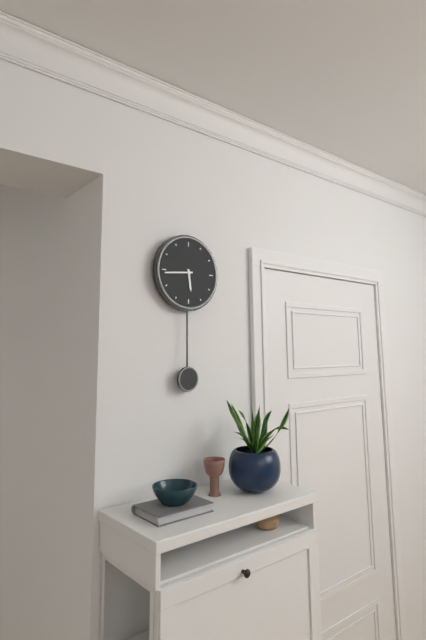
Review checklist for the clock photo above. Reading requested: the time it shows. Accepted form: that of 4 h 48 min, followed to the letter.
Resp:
5 h 44 min
